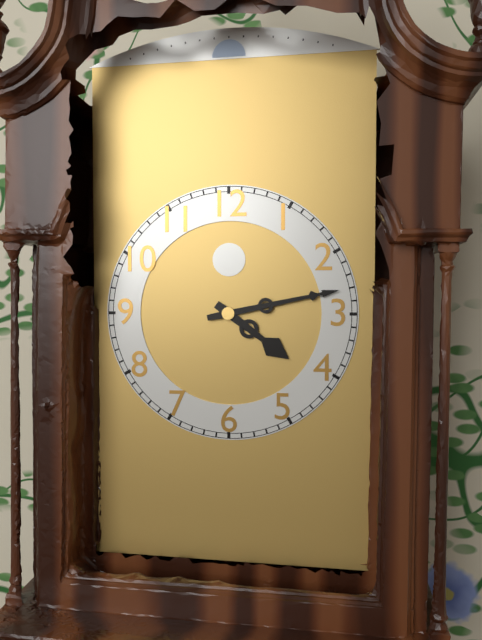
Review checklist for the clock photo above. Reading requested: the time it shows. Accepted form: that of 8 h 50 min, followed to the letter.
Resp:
4 h 13 min
